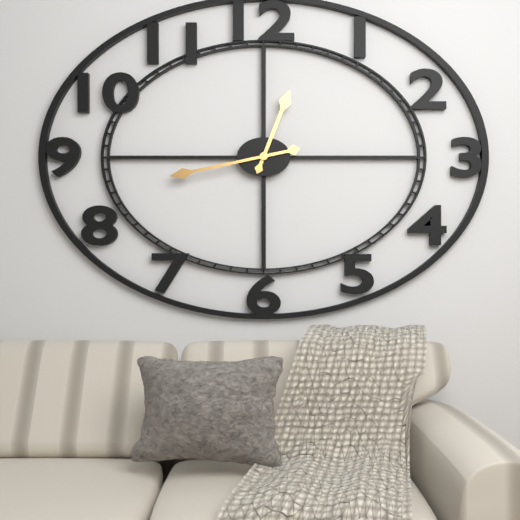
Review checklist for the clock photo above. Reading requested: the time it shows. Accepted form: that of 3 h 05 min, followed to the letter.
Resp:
12 h 43 min
